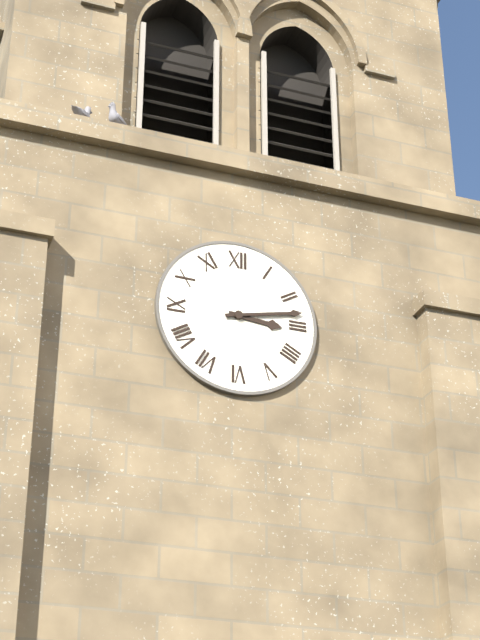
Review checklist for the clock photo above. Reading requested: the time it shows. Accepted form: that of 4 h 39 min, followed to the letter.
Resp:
3 h 13 min
